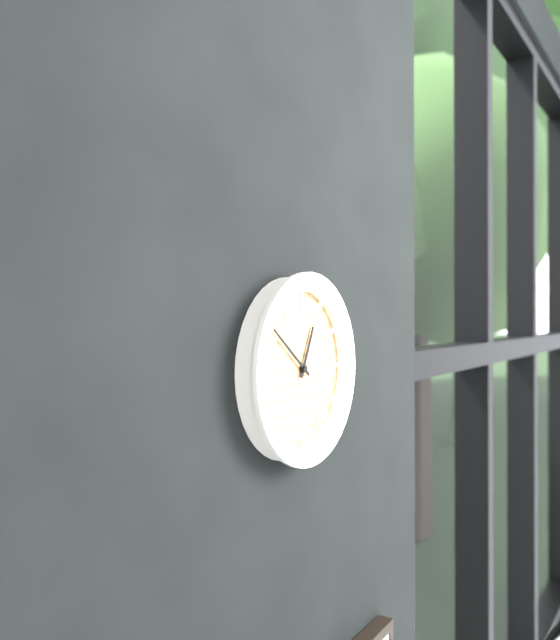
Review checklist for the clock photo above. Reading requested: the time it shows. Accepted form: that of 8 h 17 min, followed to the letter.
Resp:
12 h 51 min
